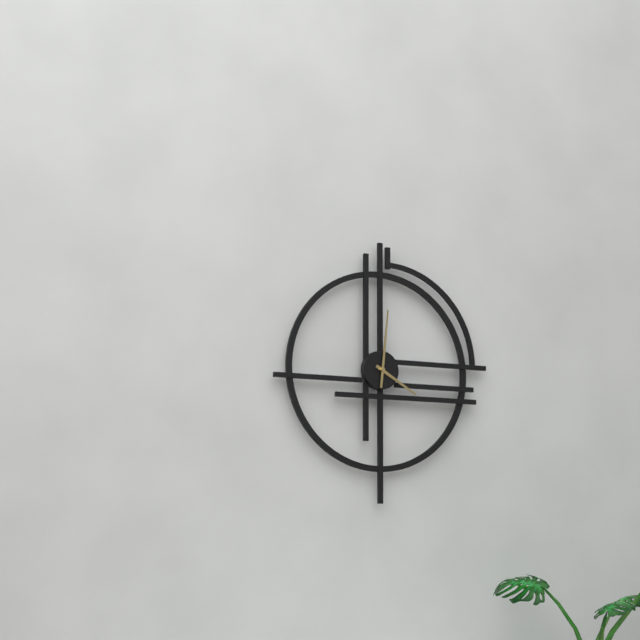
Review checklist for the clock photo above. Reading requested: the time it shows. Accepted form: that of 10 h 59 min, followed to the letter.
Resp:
4 h 01 min
